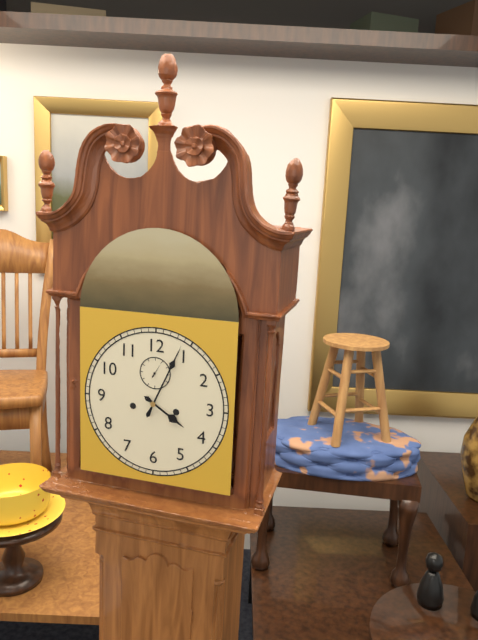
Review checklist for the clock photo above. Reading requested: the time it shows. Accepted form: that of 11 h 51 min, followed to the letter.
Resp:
4 h 04 min
